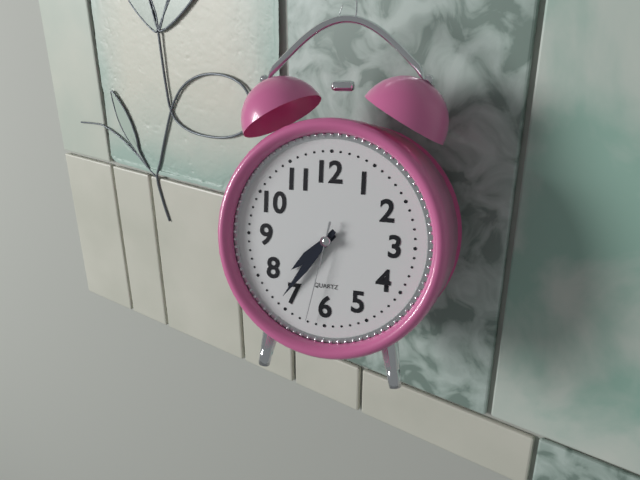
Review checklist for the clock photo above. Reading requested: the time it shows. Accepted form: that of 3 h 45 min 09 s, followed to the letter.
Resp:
7 h 36 min 32 s
